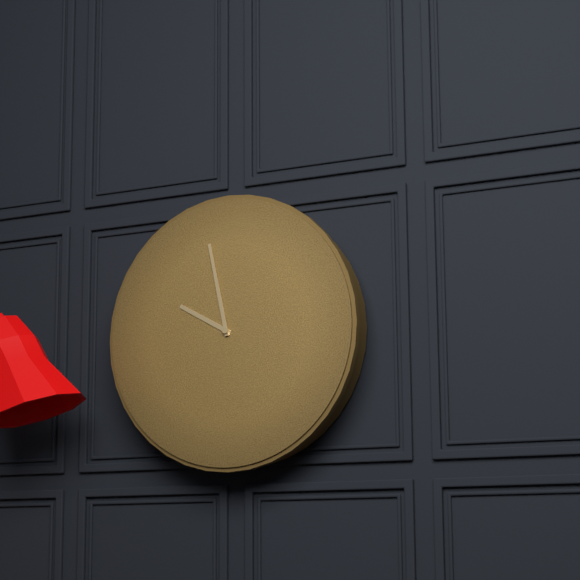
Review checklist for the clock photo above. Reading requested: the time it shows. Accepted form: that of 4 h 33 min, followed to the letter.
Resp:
9 h 58 min
